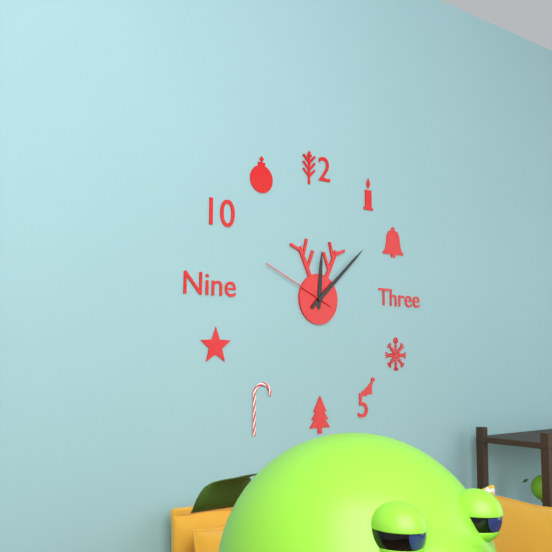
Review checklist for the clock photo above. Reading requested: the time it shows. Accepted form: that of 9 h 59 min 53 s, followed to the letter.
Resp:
12 h 08 min 49 s
